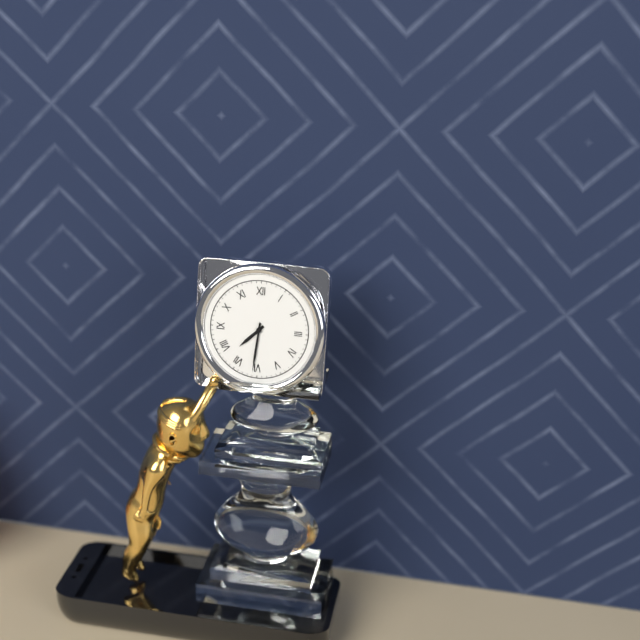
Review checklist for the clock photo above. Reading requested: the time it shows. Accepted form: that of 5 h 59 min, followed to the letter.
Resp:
7 h 31 min
